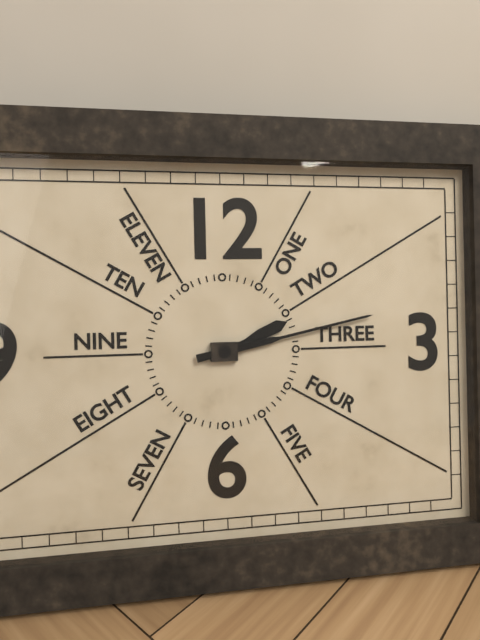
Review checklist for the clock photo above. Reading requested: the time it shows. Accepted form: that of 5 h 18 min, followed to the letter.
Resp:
2 h 13 min
